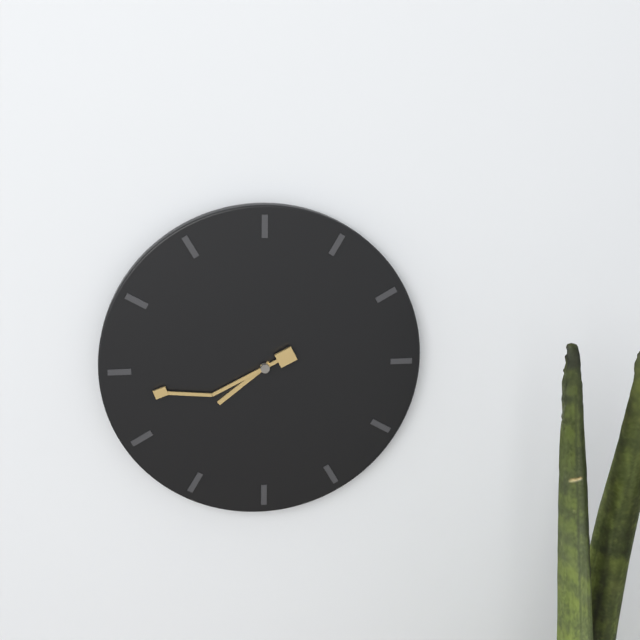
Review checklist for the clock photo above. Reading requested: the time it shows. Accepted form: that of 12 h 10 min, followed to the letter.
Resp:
7 h 43 min
